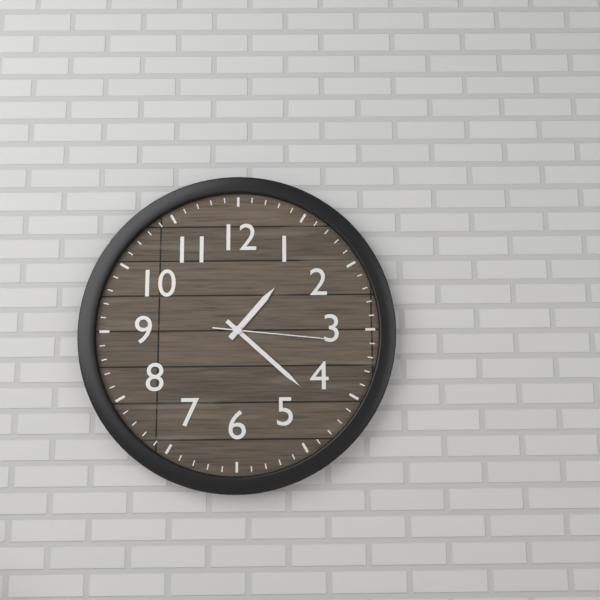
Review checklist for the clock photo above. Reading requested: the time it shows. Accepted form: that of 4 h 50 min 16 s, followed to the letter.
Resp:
1 h 22 min 16 s
